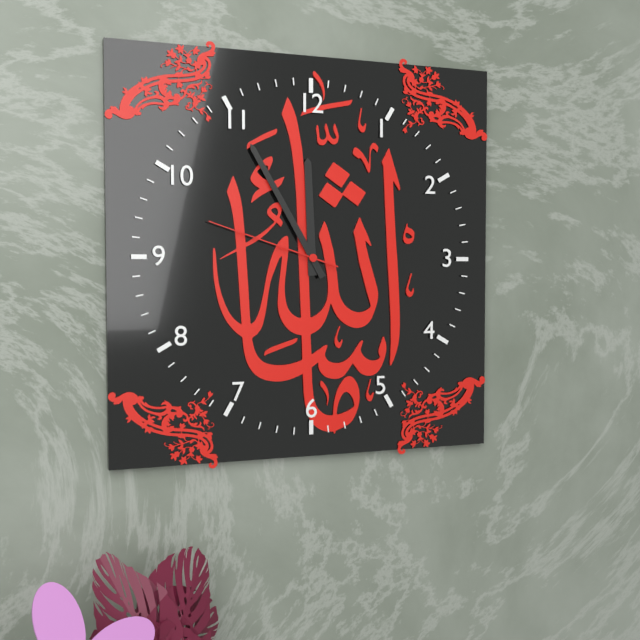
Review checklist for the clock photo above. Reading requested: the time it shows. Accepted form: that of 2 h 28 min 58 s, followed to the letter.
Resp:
11 h 55 min 48 s
